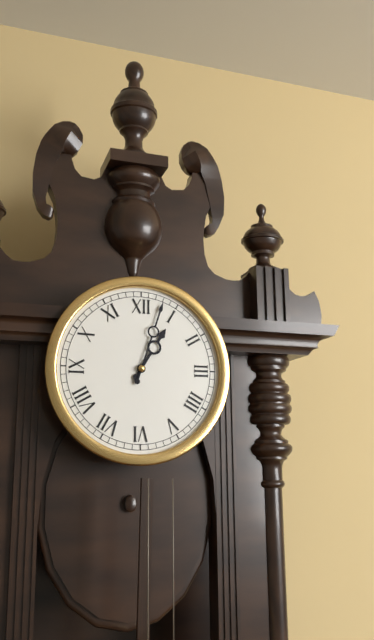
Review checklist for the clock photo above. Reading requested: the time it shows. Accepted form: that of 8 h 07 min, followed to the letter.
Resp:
1 h 03 min
